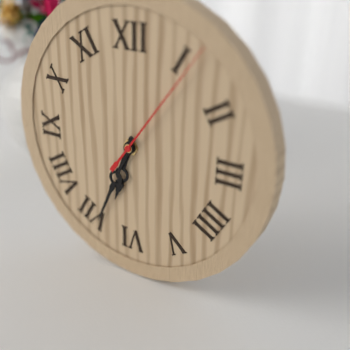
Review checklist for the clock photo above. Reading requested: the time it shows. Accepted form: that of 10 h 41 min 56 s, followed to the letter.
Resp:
6 h 34 min 06 s
